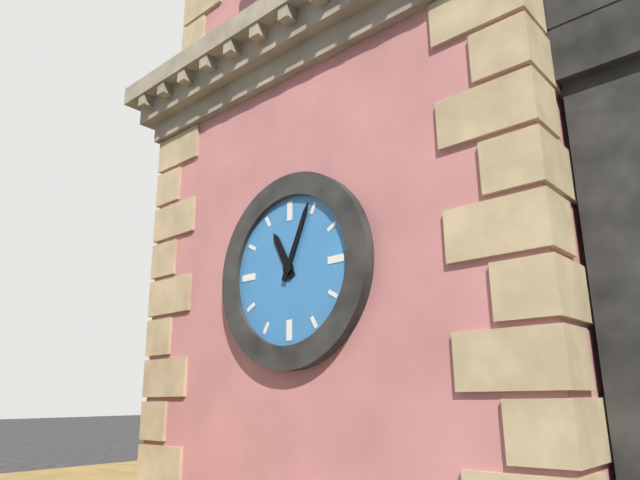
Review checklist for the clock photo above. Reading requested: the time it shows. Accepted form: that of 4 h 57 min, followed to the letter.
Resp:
11 h 04 min
